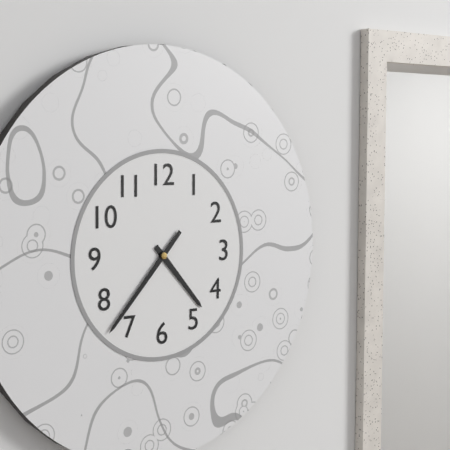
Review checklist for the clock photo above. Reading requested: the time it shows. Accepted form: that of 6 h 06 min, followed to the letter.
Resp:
4 h 37 min
